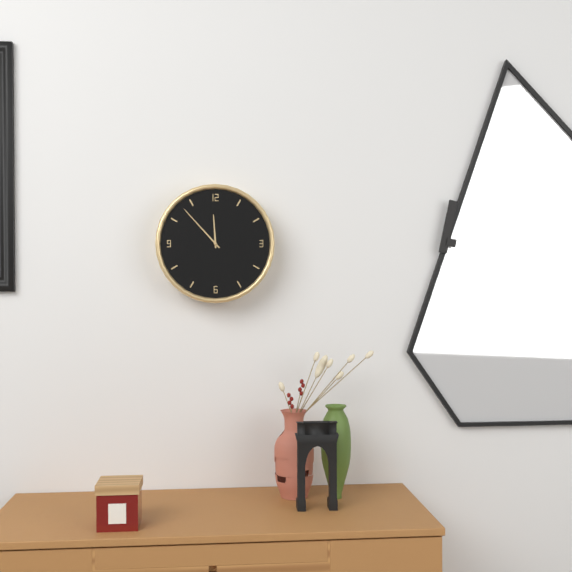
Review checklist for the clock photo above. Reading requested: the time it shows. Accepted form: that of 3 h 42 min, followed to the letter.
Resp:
11 h 53 min
